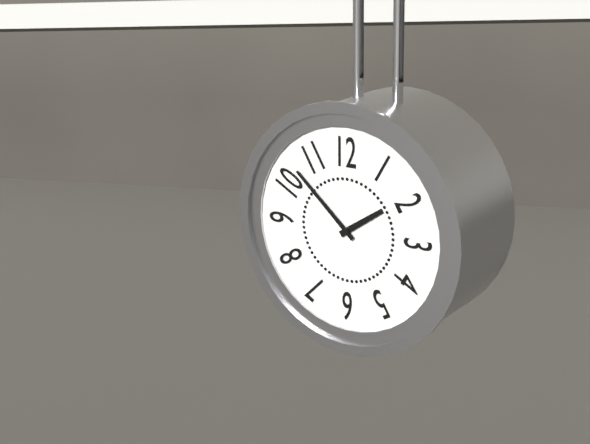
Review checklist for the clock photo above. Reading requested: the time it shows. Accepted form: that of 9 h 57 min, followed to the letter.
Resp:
1 h 52 min
